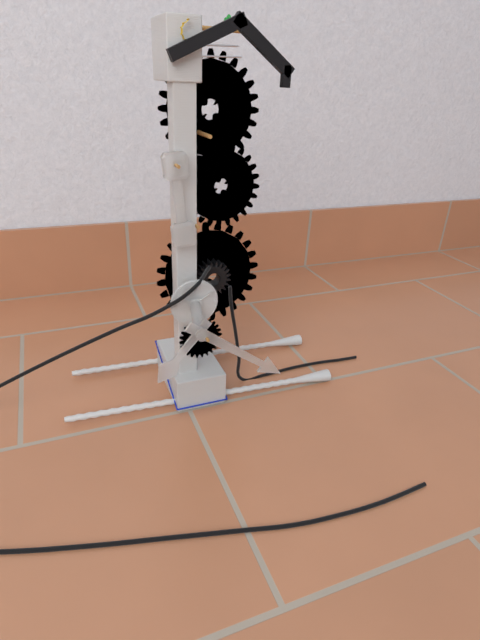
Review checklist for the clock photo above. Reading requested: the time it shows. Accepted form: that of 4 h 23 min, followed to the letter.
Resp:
7 h 21 min
